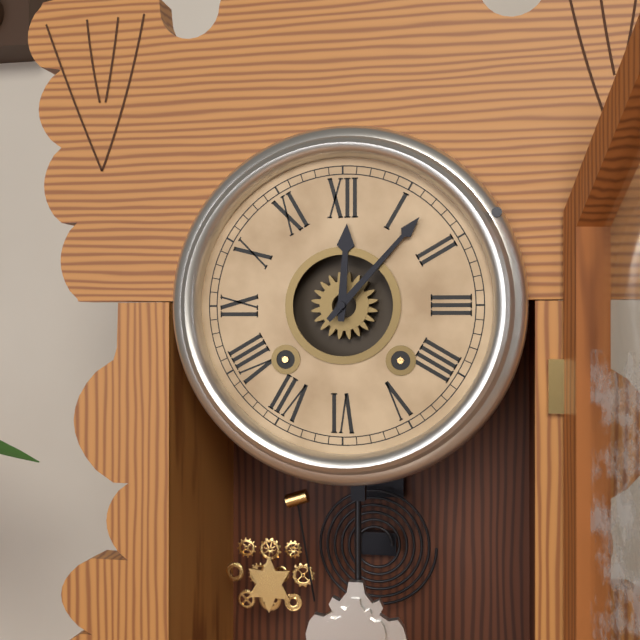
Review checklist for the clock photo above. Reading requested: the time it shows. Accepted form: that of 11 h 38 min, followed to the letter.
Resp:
12 h 07 min
